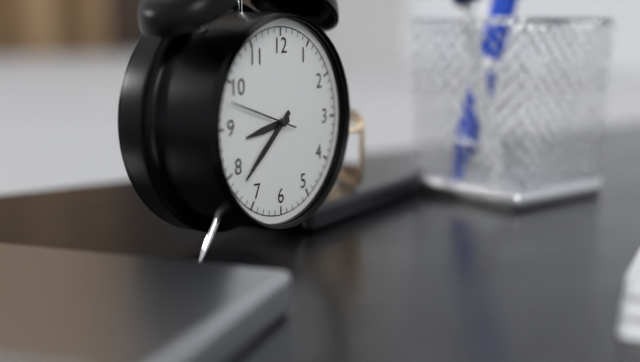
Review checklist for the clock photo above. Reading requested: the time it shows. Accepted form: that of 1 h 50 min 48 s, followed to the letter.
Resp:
8 h 38 min 48 s
